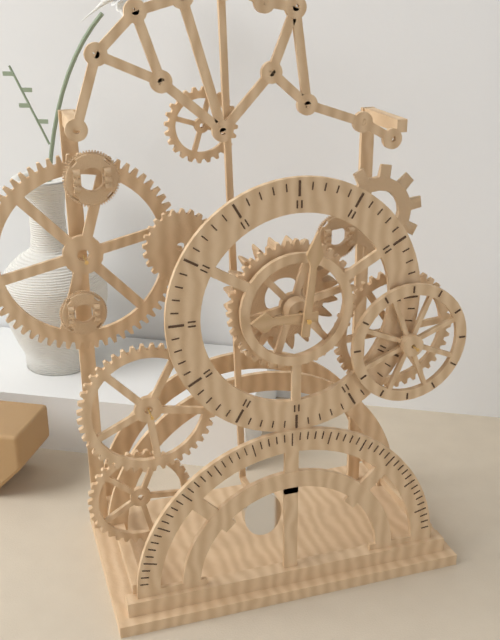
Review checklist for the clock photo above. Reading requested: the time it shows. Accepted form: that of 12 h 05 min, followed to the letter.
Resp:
9 h 01 min
